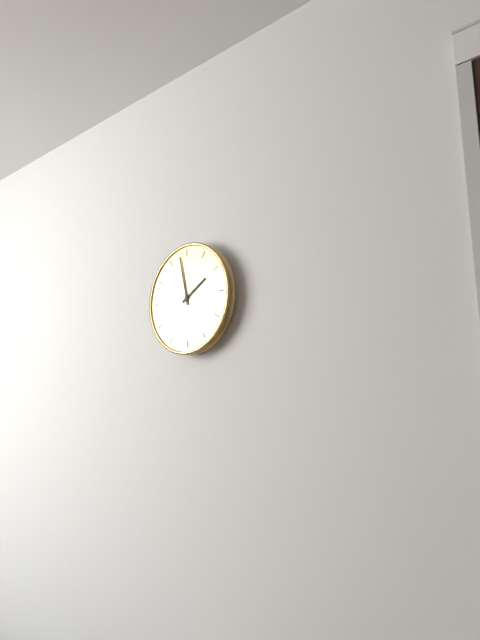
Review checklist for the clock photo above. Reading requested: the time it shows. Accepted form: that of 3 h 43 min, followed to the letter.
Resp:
1 h 58 min
